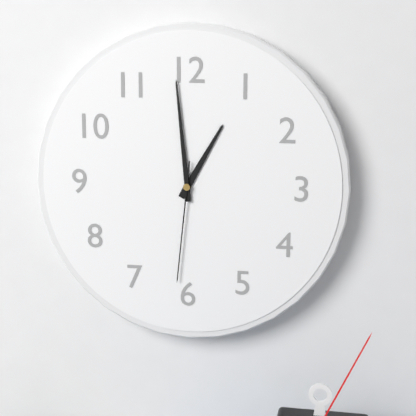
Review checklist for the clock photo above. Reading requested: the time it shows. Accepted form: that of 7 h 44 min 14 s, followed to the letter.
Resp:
12 h 59 min 31 s
